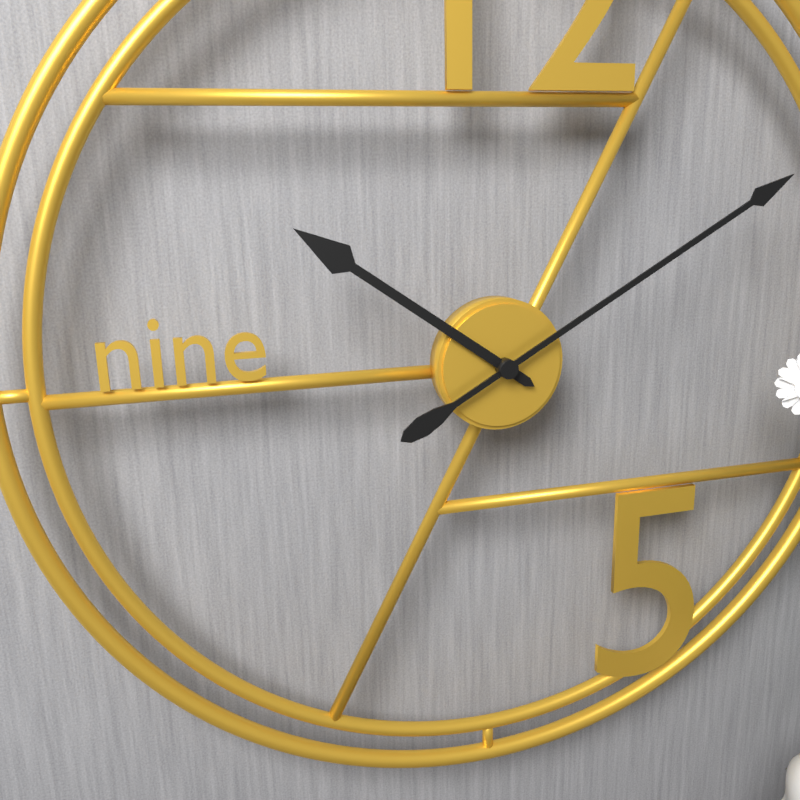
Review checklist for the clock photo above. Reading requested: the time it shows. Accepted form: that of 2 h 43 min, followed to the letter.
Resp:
10 h 10 min
